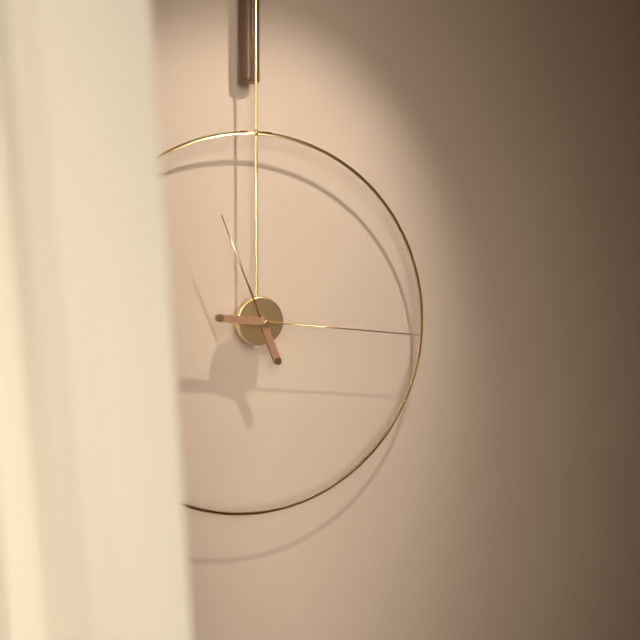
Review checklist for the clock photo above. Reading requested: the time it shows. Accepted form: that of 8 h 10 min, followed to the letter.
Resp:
11 h 16 min
